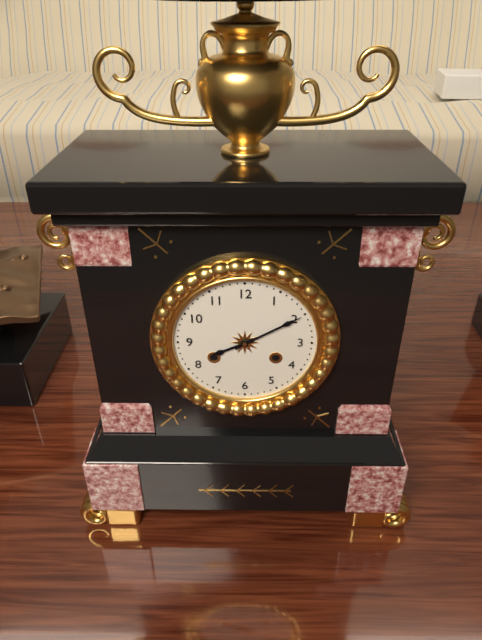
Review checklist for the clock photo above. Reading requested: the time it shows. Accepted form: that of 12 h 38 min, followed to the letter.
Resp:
8 h 10 min
